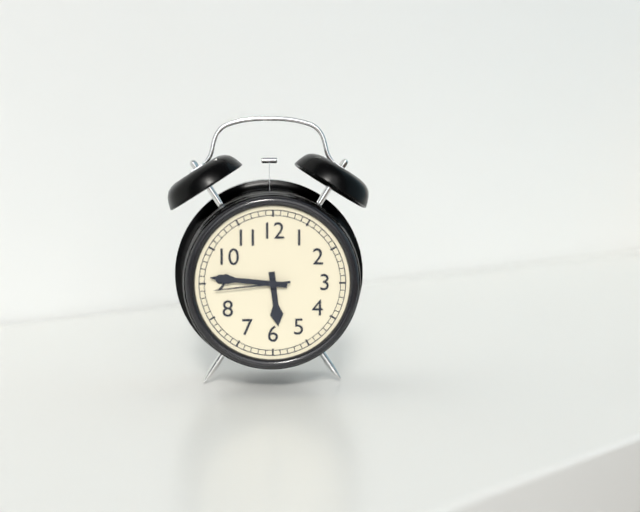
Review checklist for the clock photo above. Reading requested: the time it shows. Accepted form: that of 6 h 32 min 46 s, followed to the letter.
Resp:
5 h 46 min 44 s
